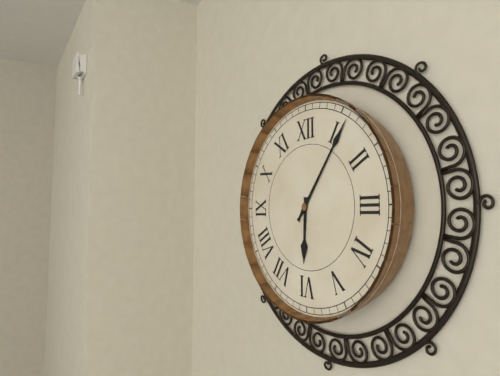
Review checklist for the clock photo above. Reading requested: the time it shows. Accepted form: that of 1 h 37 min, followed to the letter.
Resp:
6 h 06 min
